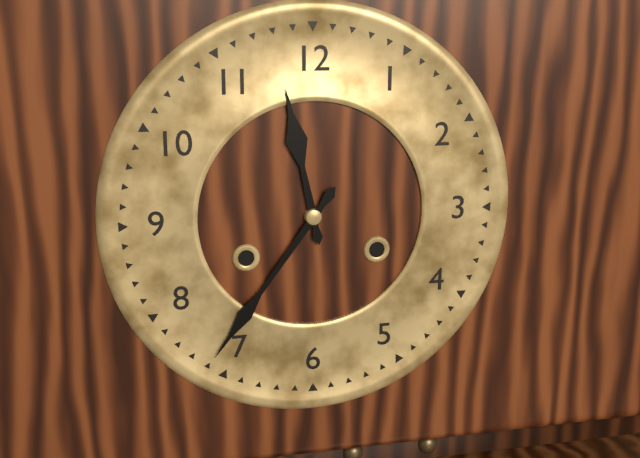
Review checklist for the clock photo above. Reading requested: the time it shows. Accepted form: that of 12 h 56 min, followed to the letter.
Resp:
11 h 36 min
